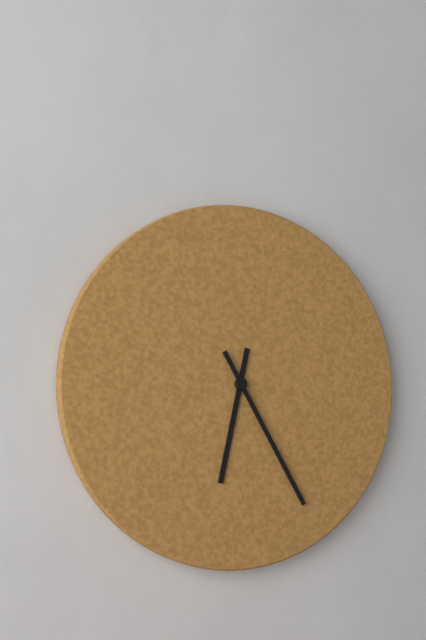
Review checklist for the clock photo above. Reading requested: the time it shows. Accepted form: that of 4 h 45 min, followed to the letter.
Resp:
6 h 25 min
